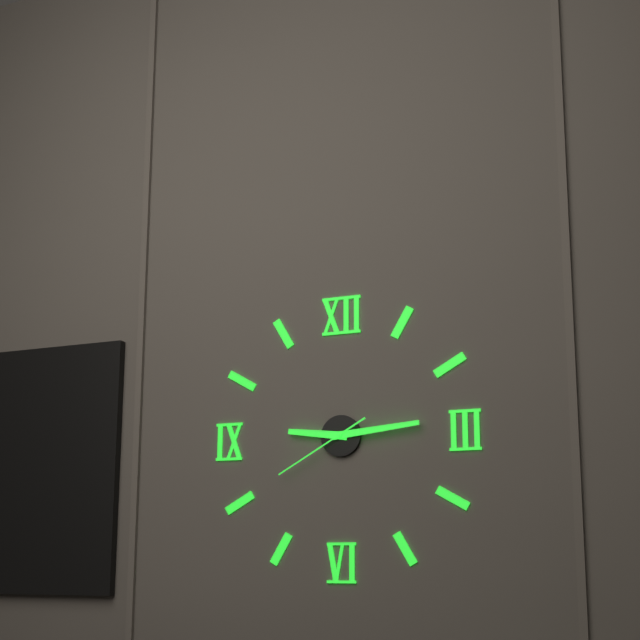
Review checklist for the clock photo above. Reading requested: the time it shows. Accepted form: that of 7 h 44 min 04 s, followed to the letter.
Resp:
9 h 14 min 40 s
